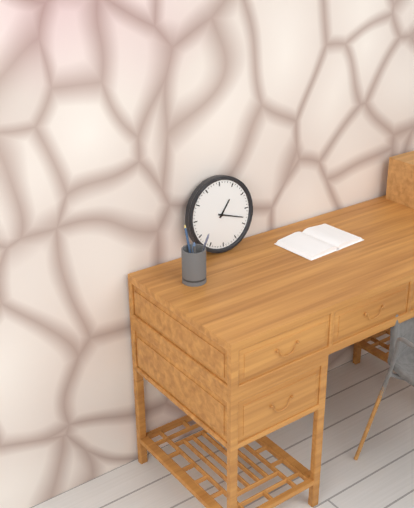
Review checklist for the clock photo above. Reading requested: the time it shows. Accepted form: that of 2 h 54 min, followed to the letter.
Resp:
1 h 18 min
